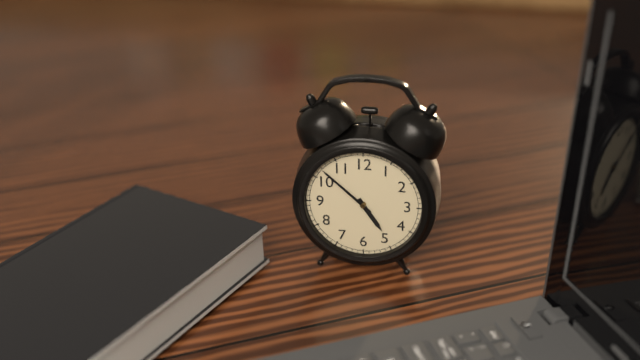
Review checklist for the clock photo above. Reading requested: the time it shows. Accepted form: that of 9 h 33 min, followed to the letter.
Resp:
4 h 52 min
